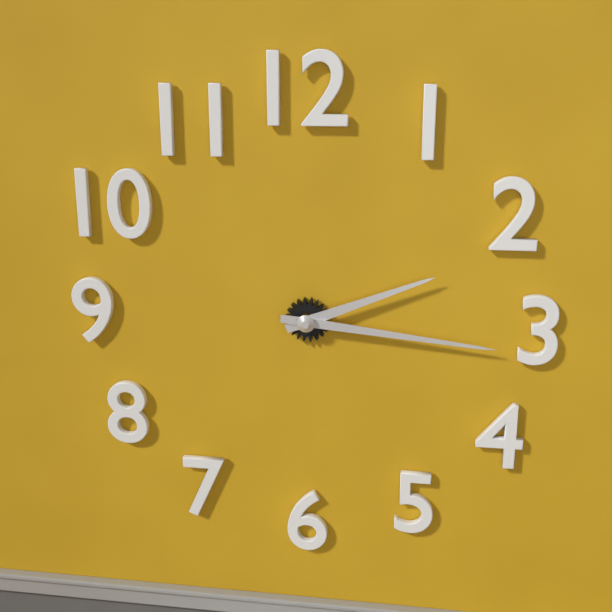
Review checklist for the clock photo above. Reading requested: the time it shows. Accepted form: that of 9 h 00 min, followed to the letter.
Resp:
2 h 16 min
